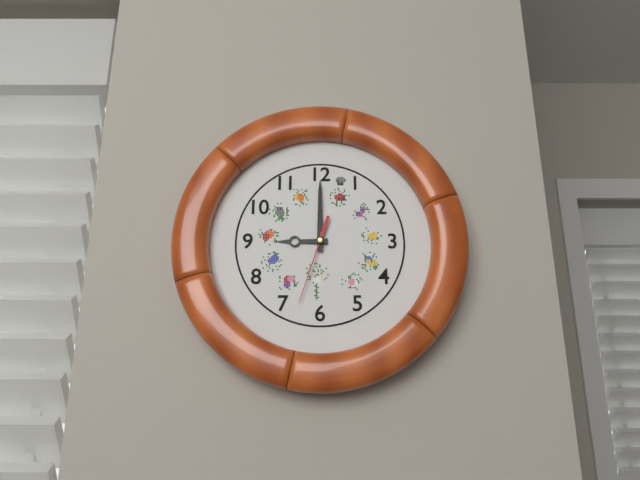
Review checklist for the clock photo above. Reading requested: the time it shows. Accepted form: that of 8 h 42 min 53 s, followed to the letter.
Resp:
9 h 00 min 33 s
